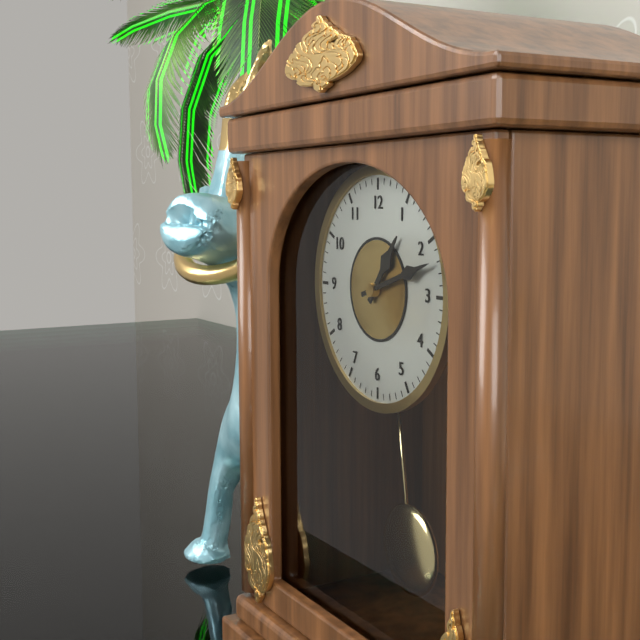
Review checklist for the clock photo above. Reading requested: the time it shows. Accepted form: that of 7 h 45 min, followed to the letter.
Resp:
1 h 12 min
